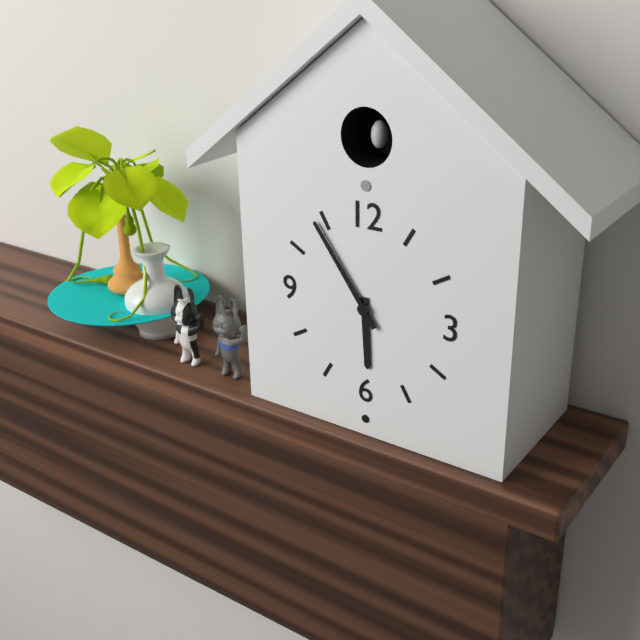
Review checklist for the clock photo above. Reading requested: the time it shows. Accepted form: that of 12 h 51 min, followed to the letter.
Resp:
5 h 54 min
